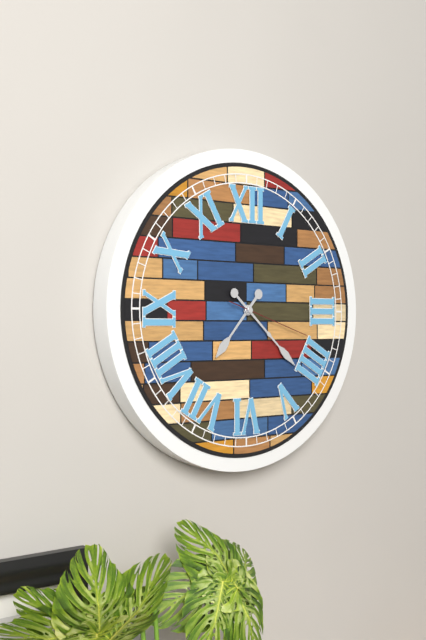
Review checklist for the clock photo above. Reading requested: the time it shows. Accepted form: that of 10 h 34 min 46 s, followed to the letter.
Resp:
7 h 22 min 18 s
